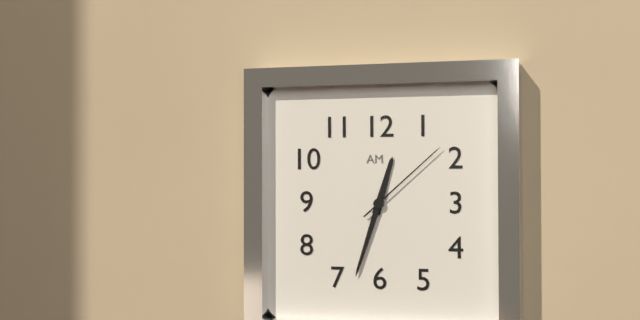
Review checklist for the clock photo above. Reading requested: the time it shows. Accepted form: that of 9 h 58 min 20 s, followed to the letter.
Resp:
12 h 33 min 08 s
